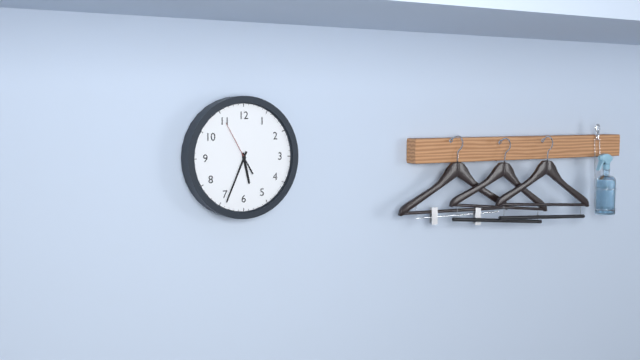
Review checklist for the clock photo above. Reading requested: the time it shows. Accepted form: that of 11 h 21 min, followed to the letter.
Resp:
5 h 34 min
